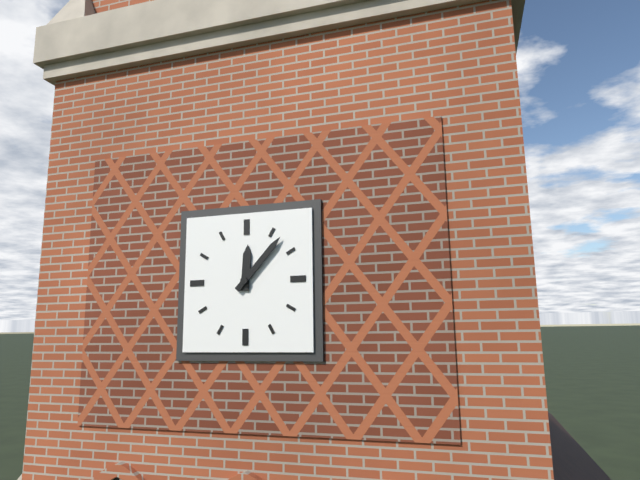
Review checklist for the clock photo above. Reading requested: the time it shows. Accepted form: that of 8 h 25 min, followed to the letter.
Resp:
12 h 07 min
